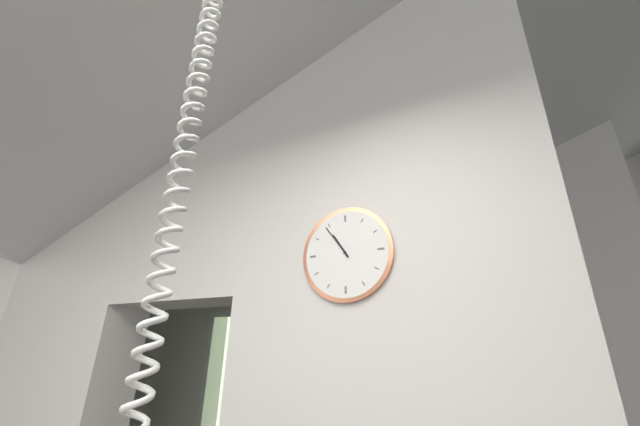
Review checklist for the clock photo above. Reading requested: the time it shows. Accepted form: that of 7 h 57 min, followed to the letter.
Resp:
10 h 54 min
